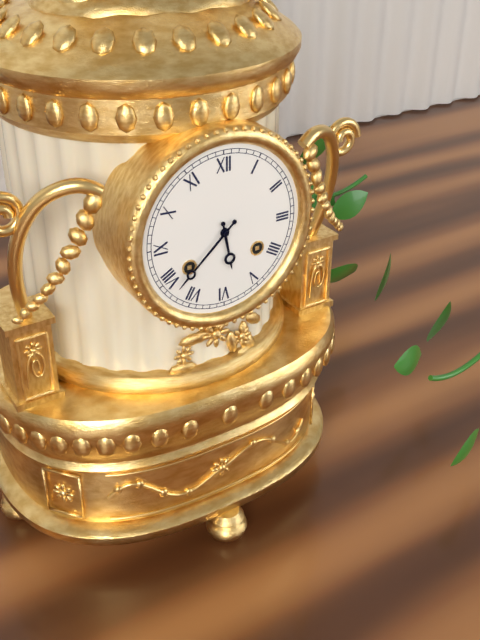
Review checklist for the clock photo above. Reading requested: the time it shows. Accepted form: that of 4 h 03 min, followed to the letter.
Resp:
5 h 38 min
